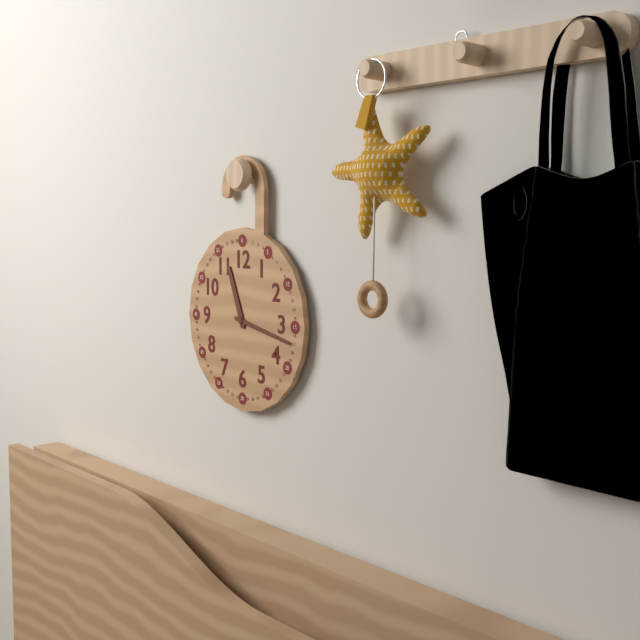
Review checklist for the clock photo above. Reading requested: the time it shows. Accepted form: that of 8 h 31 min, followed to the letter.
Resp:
11 h 17 min
